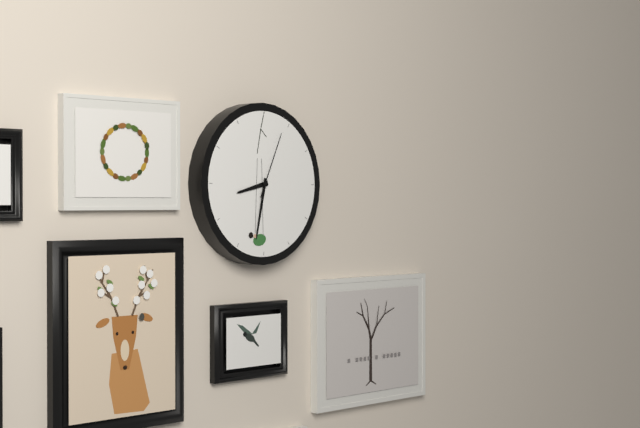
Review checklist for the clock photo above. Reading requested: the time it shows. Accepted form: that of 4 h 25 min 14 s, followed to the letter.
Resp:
8 h 32 min 04 s
